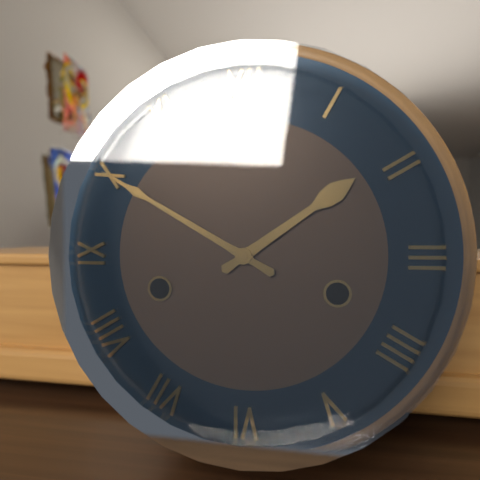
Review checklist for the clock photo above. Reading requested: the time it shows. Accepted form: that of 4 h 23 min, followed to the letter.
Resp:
1 h 50 min
